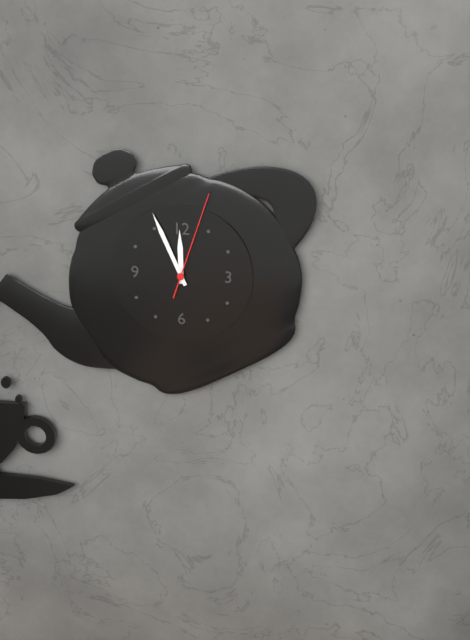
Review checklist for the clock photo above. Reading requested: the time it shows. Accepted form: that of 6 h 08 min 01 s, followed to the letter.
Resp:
11 h 56 min 03 s
